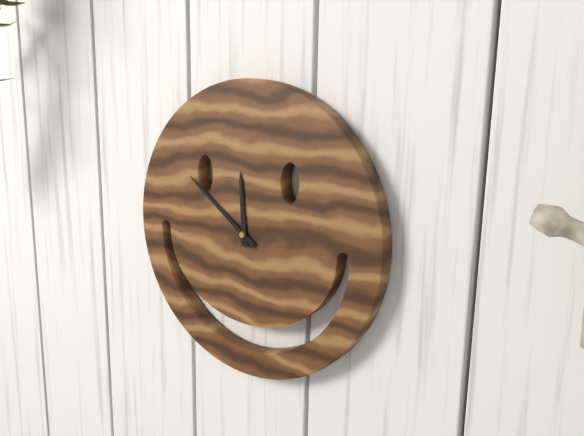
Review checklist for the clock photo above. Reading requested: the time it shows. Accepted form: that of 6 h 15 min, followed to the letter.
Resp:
11 h 51 min
